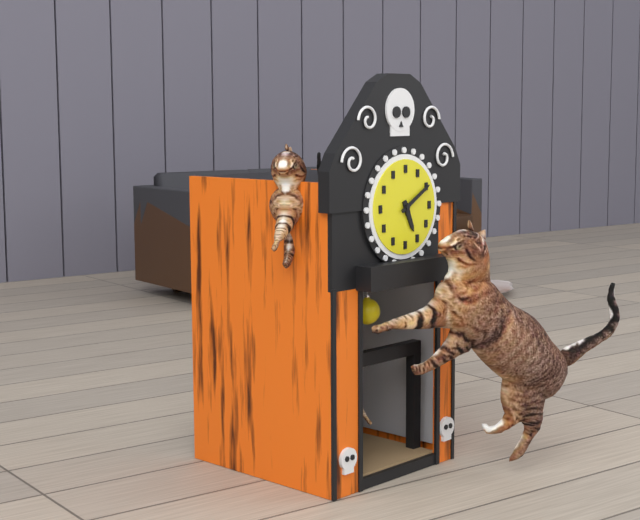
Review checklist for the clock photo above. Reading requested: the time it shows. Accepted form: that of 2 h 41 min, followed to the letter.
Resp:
5 h 10 min
